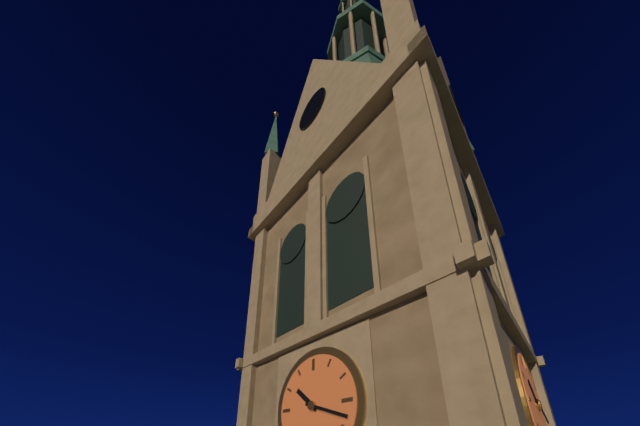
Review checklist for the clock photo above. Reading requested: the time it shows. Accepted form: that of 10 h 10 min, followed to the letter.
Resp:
10 h 18 min
